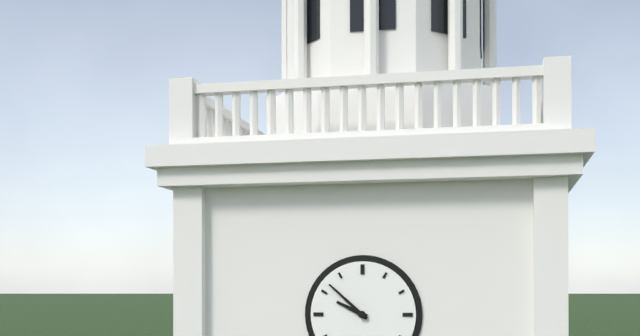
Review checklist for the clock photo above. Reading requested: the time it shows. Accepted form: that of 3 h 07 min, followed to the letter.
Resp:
9 h 52 min
